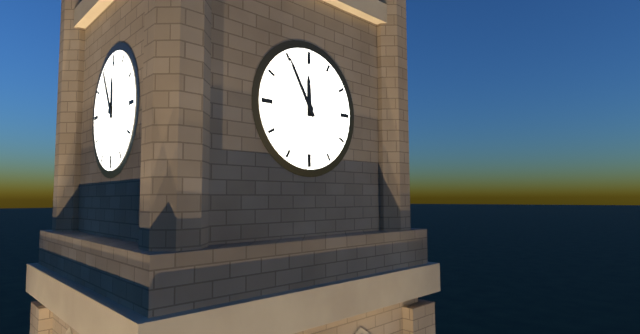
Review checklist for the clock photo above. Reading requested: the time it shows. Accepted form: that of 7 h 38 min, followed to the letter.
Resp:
11 h 55 min
